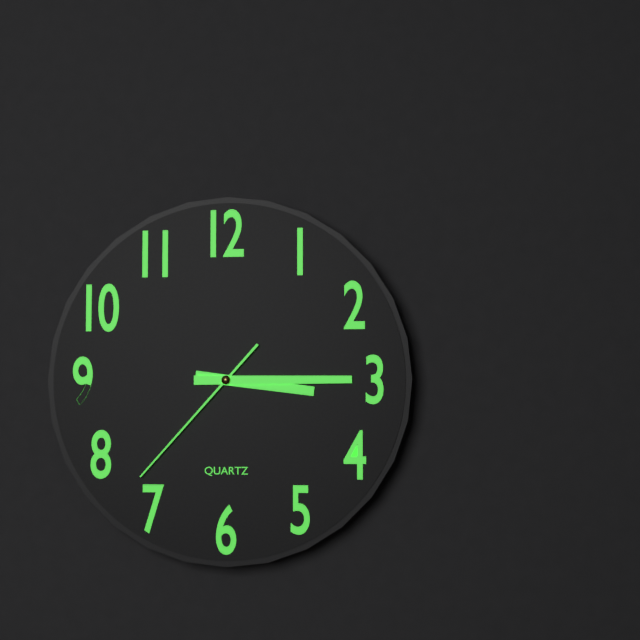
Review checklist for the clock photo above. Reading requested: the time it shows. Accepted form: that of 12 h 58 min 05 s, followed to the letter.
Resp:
3 h 15 min 37 s
